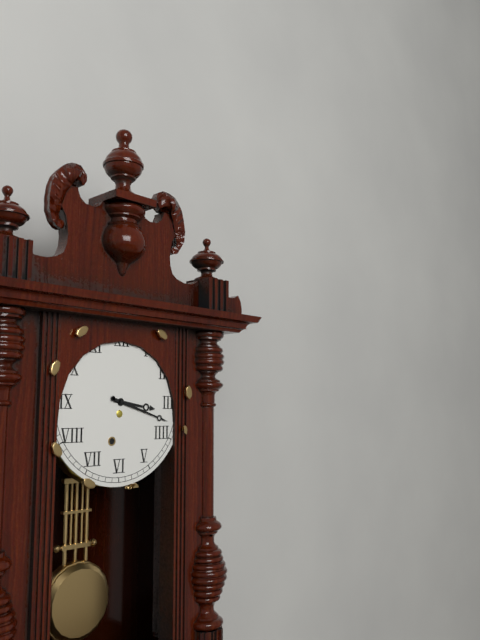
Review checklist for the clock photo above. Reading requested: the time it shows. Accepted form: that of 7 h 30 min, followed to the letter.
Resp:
3 h 18 min
